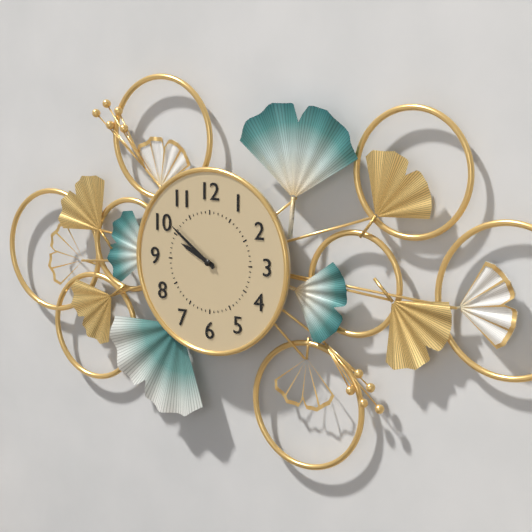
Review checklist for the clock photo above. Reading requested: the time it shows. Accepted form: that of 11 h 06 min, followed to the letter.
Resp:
9 h 51 min
